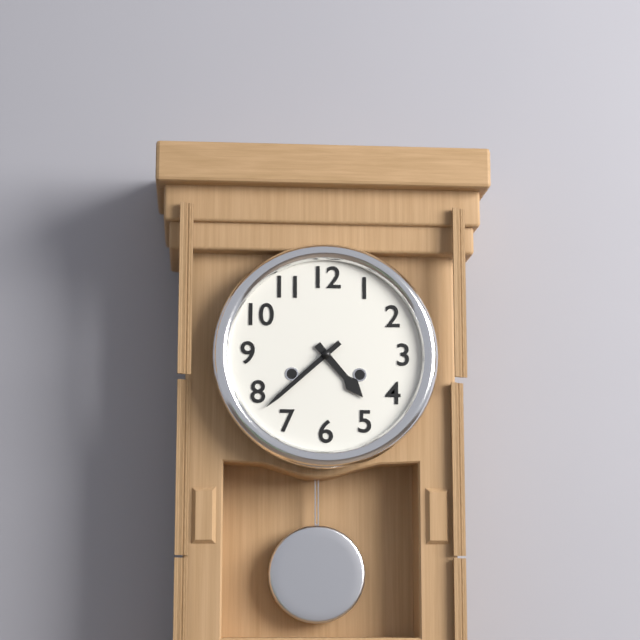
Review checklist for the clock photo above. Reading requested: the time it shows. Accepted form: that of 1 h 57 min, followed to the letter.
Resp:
4 h 38 min
